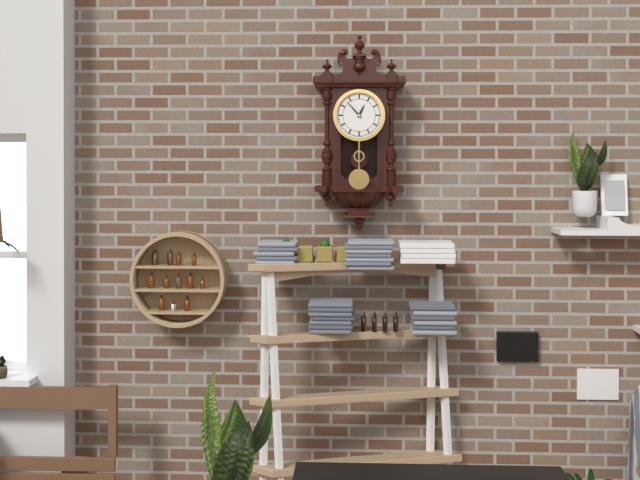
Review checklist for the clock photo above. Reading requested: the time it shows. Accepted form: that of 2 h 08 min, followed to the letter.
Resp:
12 h 53 min
